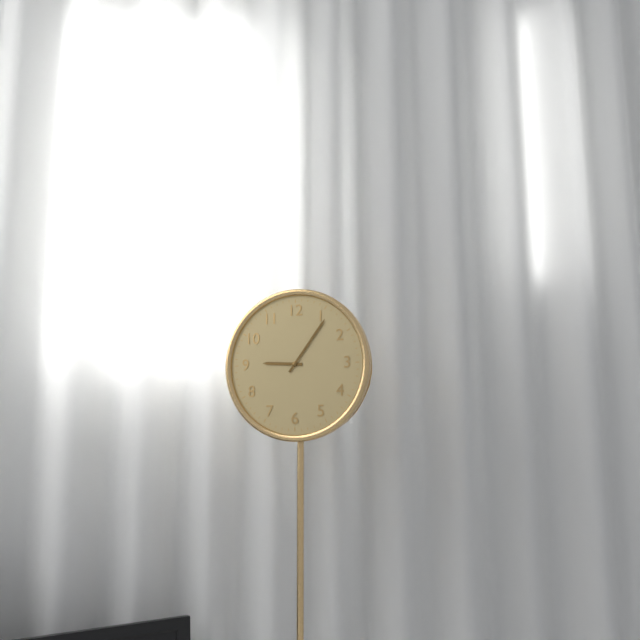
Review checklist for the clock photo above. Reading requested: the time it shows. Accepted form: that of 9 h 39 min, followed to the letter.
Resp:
9 h 06 min
